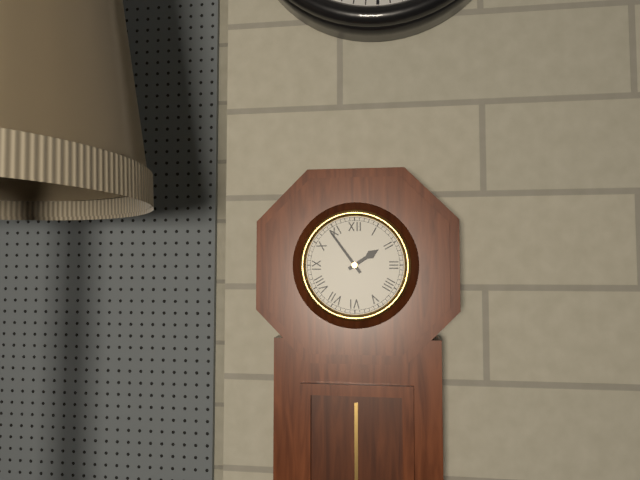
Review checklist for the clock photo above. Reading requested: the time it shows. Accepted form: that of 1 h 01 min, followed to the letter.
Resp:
1 h 54 min
